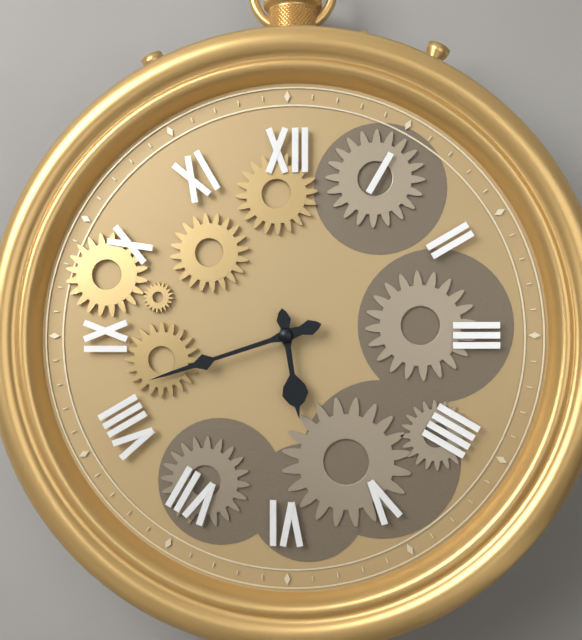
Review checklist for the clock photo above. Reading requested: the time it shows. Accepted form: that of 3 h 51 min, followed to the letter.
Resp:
5 h 42 min
